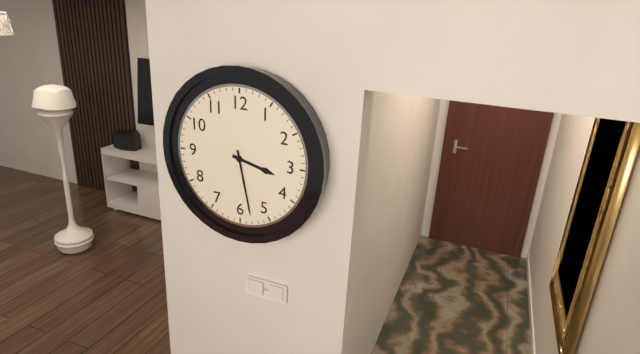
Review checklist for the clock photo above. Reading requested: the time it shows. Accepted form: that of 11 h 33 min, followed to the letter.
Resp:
3 h 28 min
